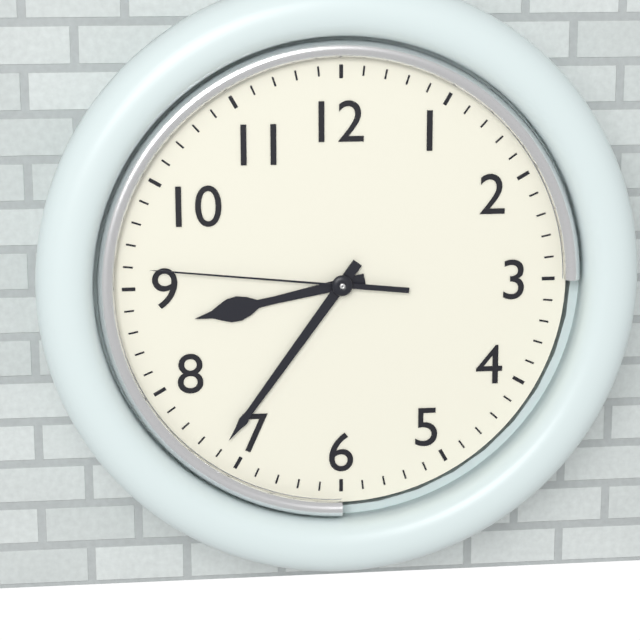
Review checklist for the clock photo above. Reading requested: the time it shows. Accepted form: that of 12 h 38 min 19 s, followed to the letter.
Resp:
8 h 36 min 46 s
